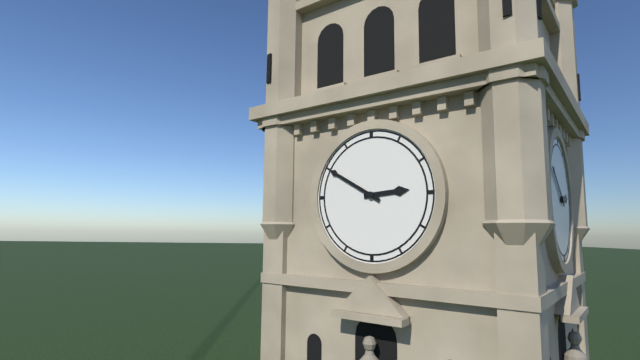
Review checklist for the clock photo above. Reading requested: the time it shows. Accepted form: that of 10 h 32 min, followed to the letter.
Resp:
2 h 50 min
